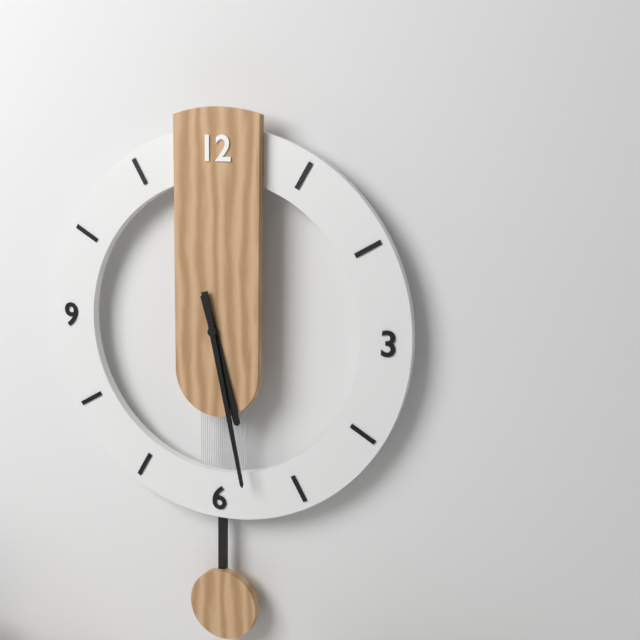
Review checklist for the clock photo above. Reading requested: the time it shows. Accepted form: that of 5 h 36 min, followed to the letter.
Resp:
5 h 28 min
